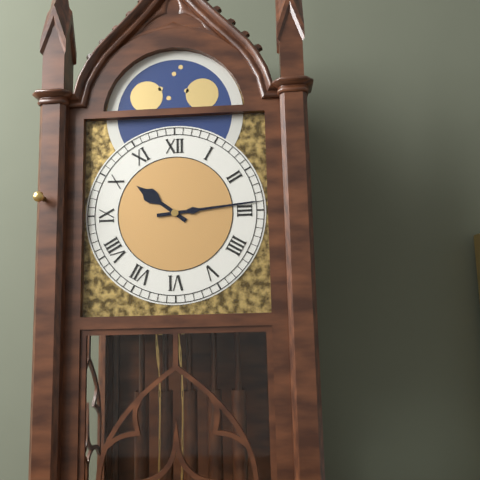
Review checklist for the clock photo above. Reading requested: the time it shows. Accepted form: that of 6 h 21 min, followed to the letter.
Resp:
10 h 14 min
